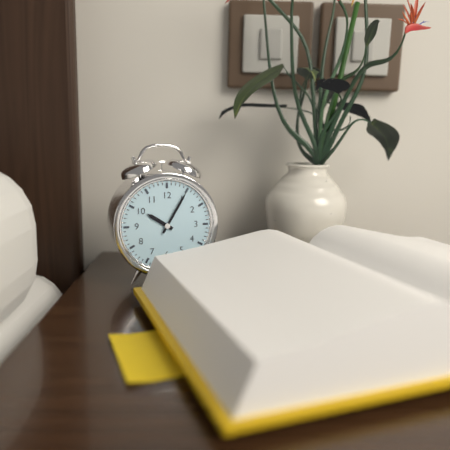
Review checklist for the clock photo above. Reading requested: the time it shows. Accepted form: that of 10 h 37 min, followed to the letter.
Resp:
10 h 05 min
